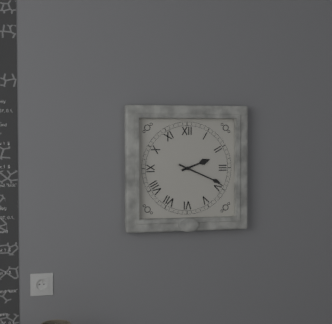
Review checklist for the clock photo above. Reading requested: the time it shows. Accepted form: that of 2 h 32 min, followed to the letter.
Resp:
2 h 19 min
